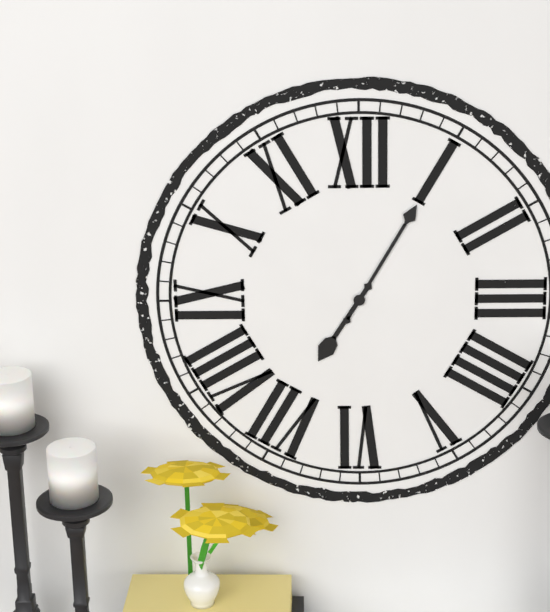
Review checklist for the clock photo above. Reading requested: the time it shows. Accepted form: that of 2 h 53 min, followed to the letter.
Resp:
7 h 05 min
